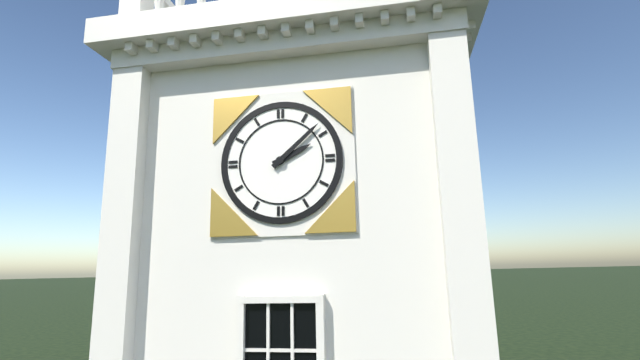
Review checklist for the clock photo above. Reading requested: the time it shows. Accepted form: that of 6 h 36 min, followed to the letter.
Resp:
2 h 08 min
